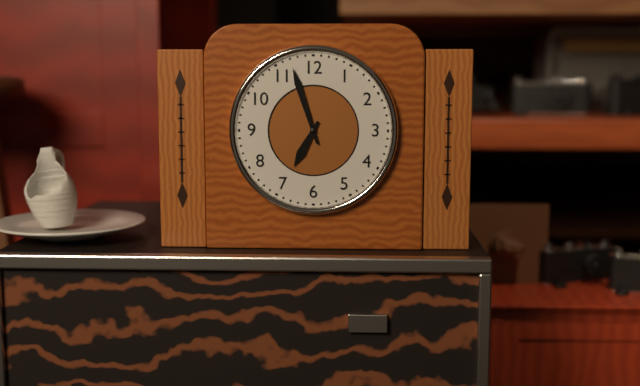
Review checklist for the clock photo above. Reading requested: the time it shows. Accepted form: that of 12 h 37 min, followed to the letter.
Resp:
6 h 57 min
